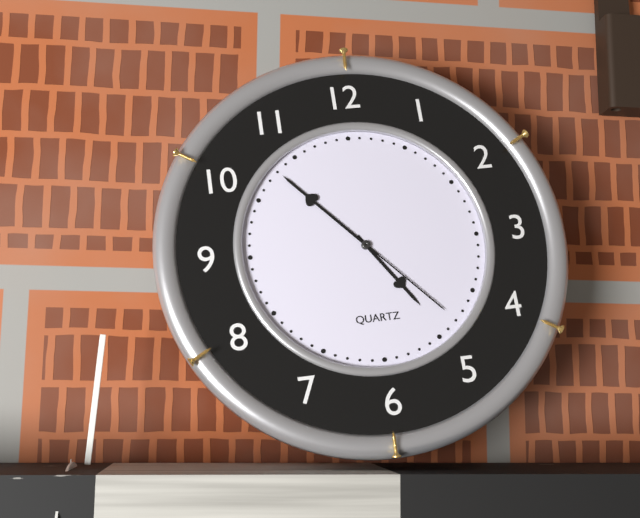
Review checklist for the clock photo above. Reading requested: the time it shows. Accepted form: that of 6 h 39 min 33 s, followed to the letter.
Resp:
4 h 53 min 23 s
